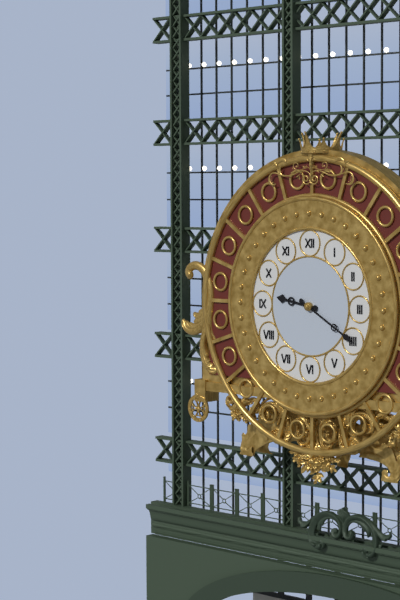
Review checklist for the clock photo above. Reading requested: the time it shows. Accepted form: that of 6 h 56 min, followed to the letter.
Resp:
9 h 20 min
